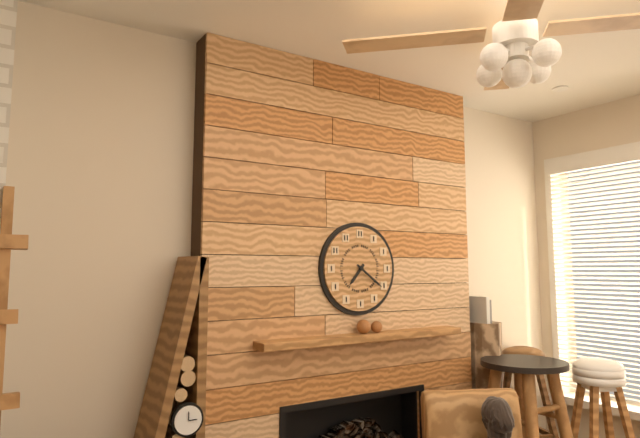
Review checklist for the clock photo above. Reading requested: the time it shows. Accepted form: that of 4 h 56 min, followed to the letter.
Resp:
7 h 21 min
